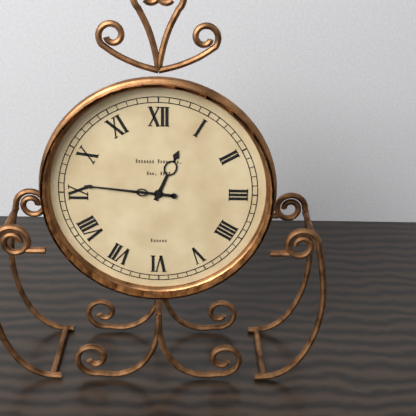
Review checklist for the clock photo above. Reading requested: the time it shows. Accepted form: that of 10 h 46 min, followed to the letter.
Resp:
12 h 46 min
